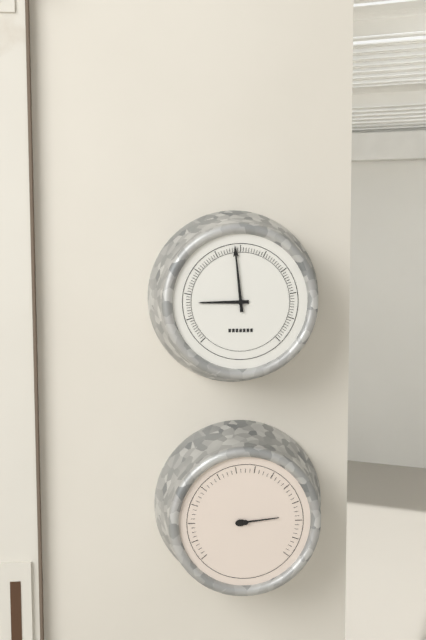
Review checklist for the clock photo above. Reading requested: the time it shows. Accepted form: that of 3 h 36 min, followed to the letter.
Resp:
8 h 59 min
